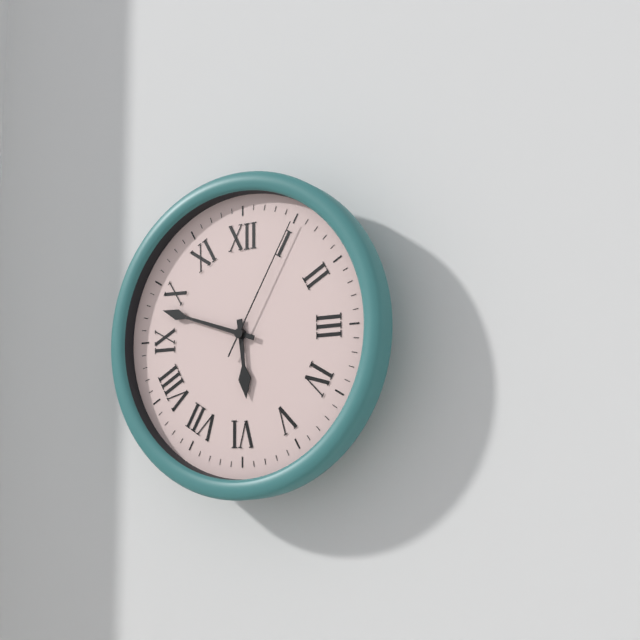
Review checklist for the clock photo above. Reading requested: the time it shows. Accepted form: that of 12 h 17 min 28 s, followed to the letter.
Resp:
5 h 48 min 05 s
